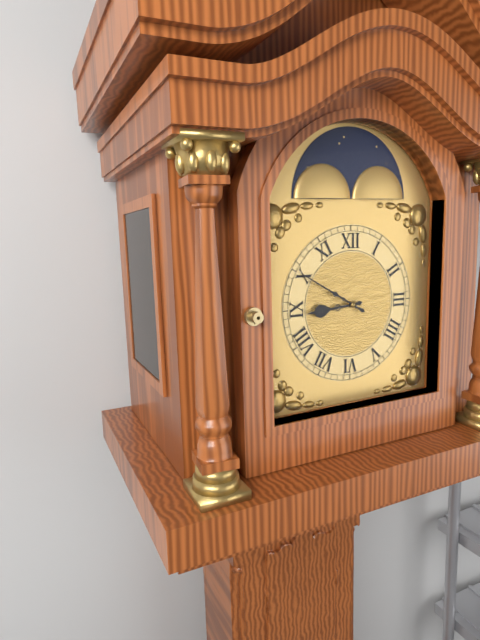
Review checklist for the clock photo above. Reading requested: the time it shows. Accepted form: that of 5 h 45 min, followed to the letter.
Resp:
8 h 50 min
